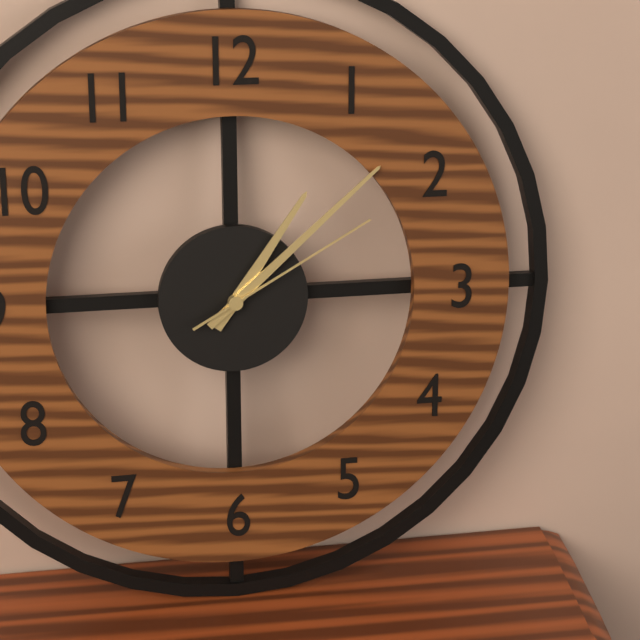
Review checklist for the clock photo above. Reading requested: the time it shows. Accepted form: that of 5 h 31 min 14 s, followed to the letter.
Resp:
1 h 08 min 10 s
